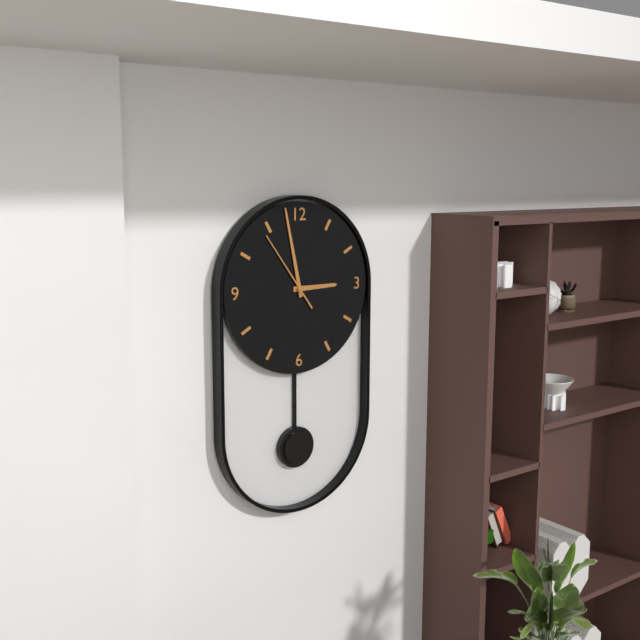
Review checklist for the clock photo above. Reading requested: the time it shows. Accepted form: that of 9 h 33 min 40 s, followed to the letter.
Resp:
2 h 58 min 54 s
